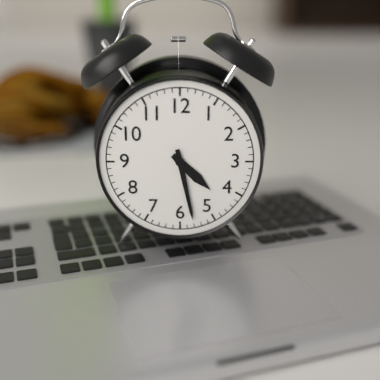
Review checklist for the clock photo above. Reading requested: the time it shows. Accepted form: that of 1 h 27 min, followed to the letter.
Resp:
4 h 28 min
